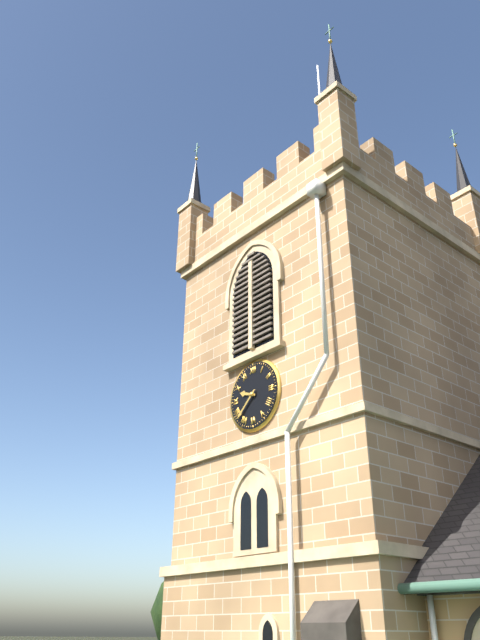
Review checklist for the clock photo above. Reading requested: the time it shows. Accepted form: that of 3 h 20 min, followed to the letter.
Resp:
9 h 38 min
